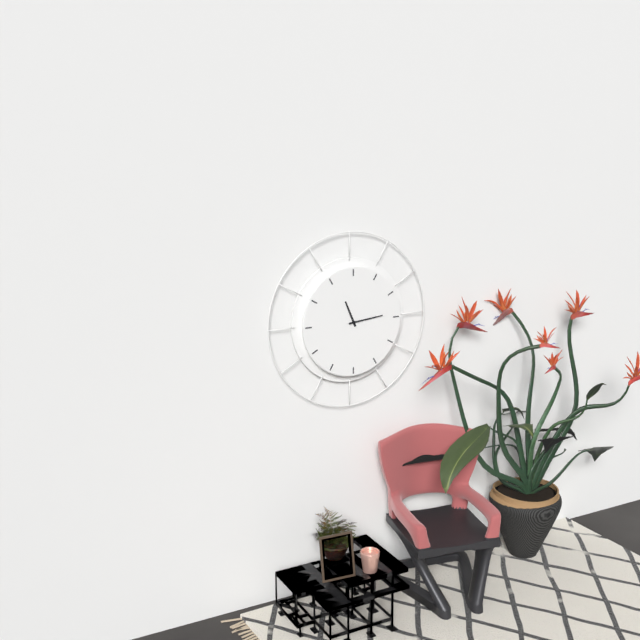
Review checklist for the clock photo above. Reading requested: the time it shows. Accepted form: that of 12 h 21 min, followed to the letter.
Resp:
11 h 14 min
